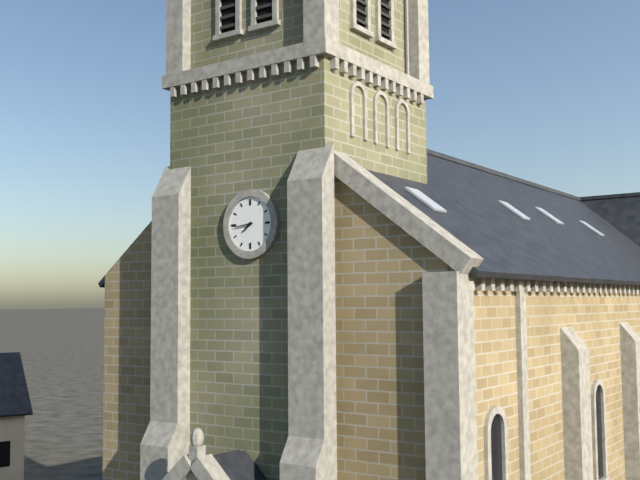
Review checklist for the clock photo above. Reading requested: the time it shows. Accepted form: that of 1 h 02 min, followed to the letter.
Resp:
7 h 44 min
